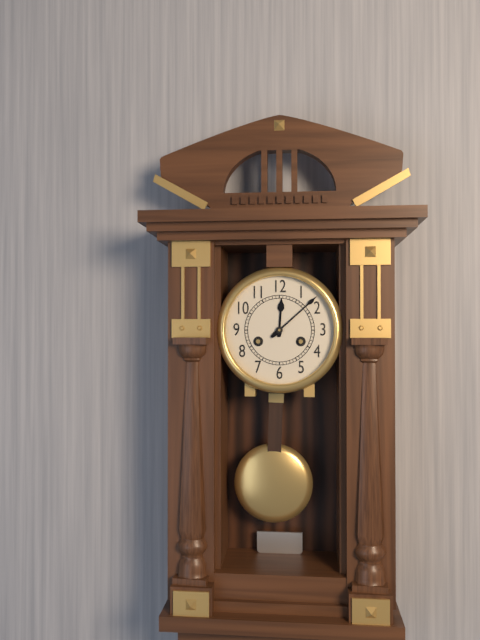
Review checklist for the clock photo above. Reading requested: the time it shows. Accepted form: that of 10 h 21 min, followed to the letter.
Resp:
12 h 08 min
